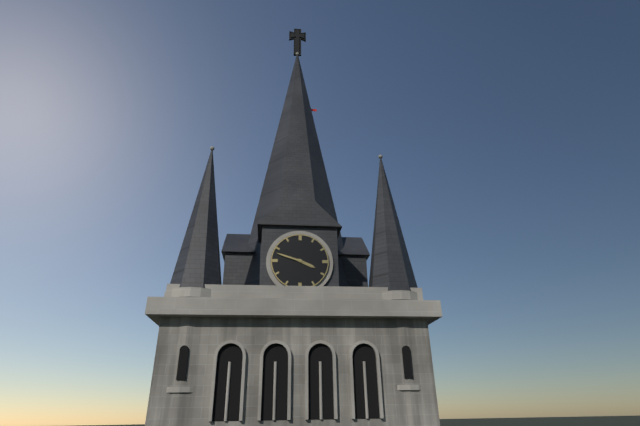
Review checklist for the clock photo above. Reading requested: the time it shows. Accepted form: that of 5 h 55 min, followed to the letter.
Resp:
3 h 48 min
